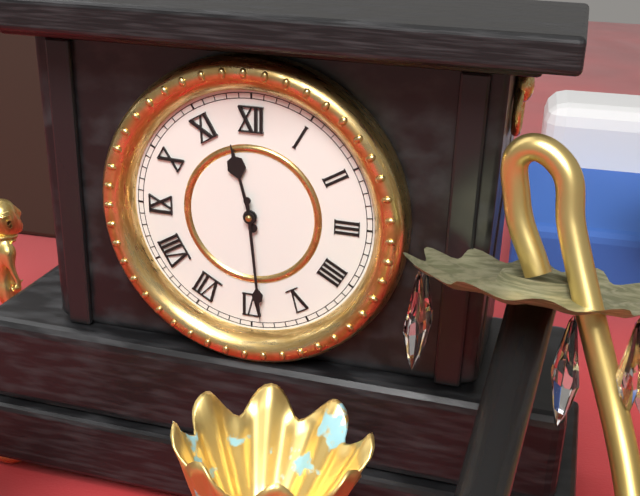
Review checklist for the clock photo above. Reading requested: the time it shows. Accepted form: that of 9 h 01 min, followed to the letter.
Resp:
11 h 29 min
